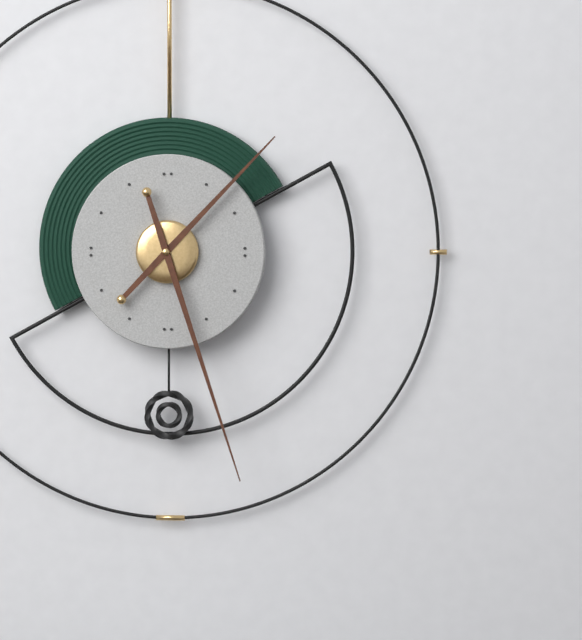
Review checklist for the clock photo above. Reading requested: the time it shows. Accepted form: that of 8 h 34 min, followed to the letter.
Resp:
1 h 27 min
